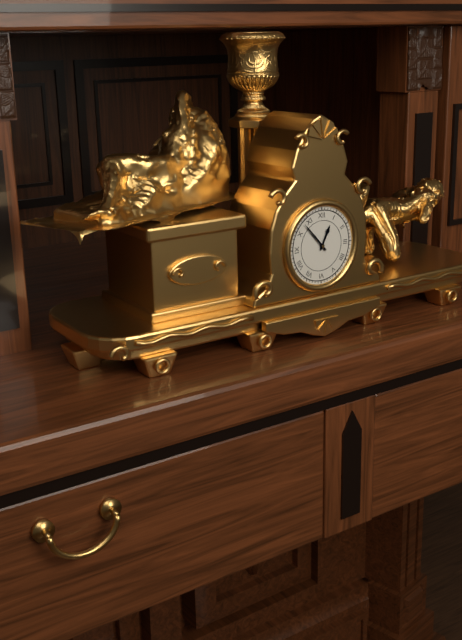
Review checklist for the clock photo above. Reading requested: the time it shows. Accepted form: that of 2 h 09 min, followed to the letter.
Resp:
12 h 53 min
